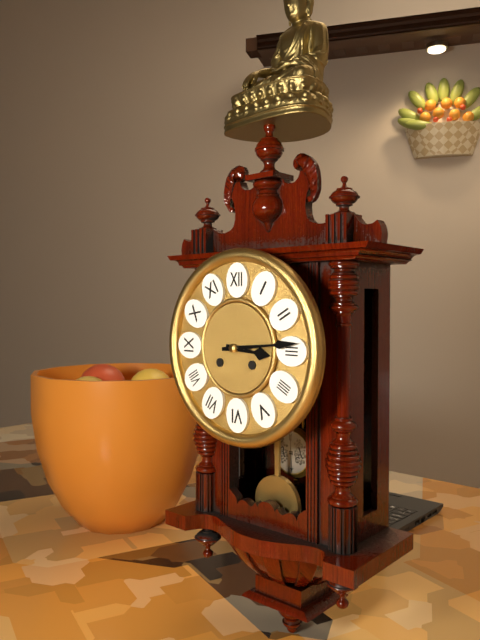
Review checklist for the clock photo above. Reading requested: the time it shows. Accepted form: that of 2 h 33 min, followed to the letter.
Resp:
3 h 14 min
